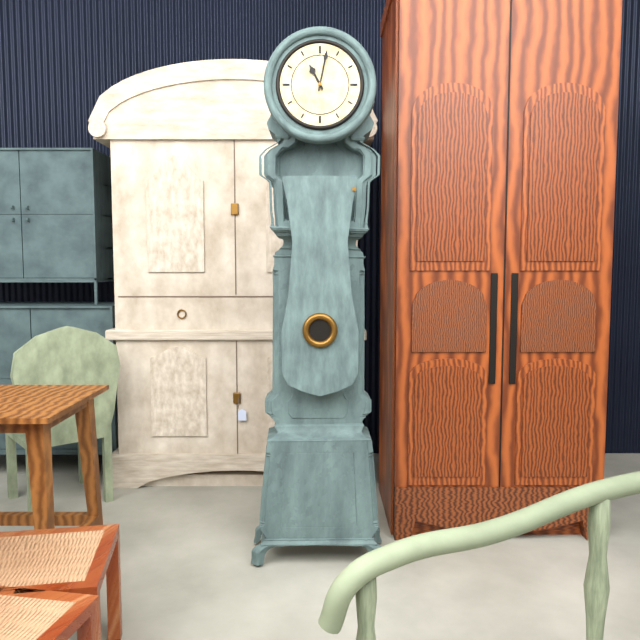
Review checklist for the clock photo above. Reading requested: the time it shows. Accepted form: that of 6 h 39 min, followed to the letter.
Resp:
11 h 02 min
